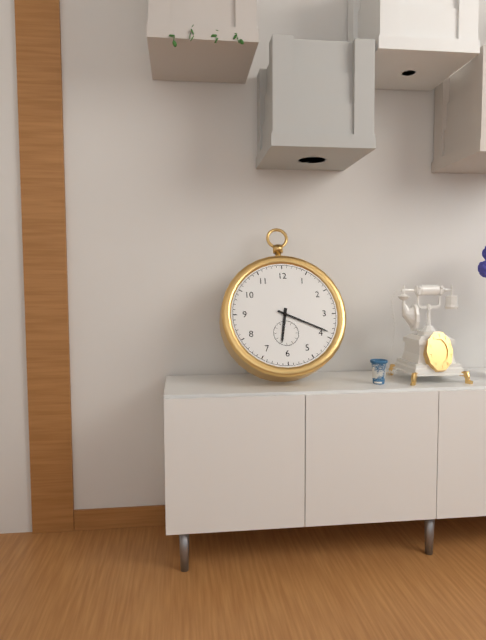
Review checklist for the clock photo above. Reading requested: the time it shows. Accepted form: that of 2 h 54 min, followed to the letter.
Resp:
6 h 19 min
